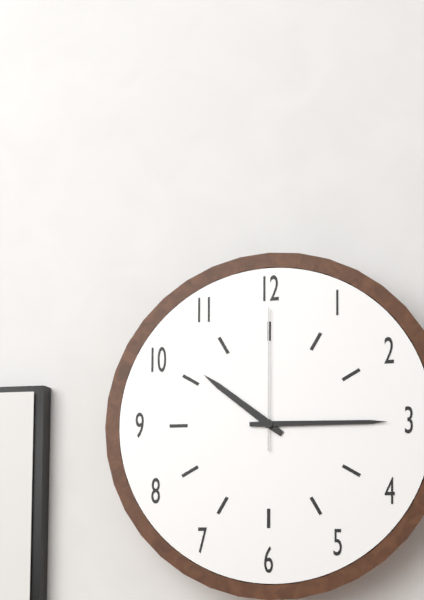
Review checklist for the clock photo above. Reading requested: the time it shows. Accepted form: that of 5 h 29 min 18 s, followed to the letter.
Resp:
10 h 15 min 00 s
